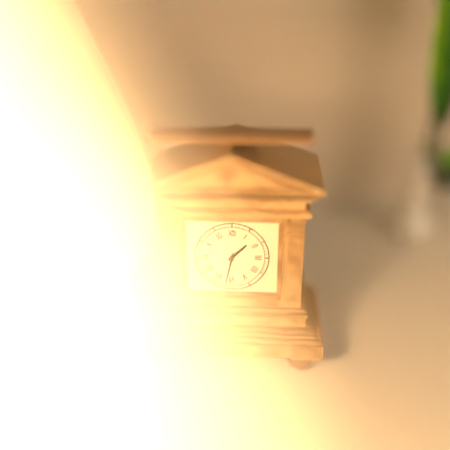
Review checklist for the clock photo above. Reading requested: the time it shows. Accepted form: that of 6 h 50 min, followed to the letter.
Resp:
1 h 32 min
